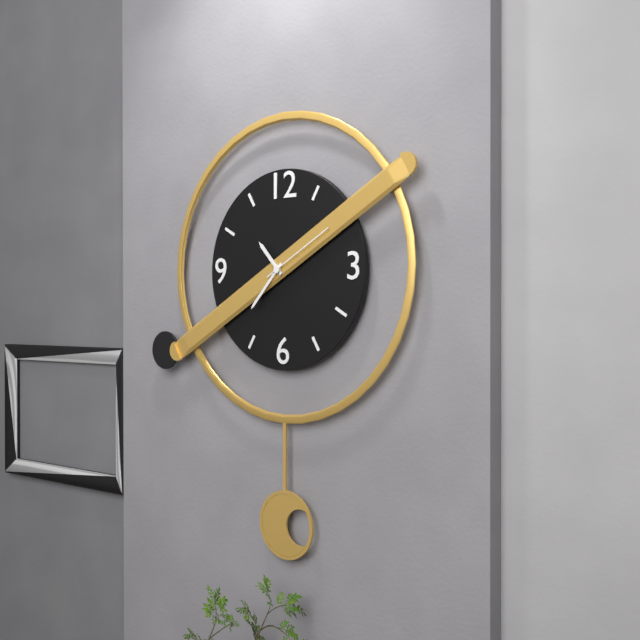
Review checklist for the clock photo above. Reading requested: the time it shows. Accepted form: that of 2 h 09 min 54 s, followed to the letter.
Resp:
10 h 37 min 10 s
